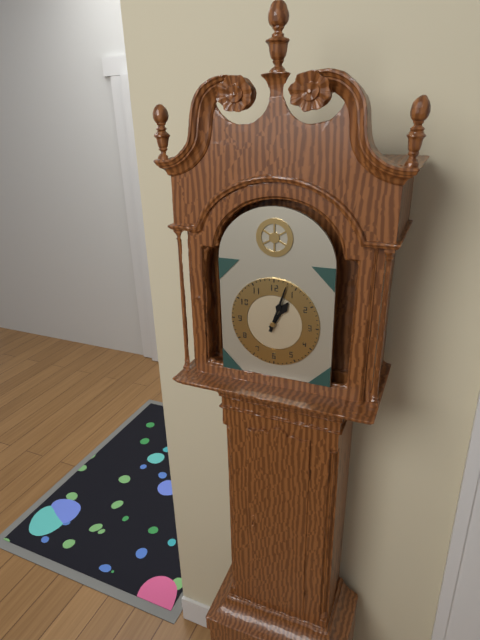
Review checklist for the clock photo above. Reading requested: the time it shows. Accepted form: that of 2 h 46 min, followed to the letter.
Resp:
1 h 03 min
